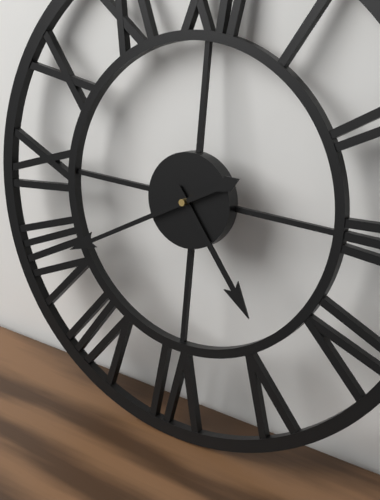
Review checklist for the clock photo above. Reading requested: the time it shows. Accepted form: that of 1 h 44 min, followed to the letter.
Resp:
4 h 40 min
